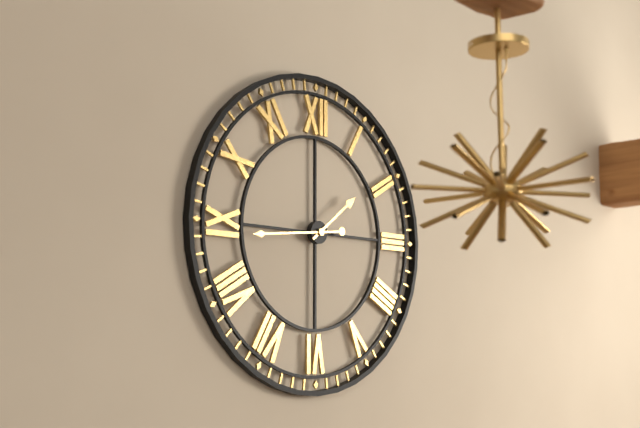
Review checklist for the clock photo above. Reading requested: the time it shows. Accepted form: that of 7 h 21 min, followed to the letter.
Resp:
1 h 44 min
